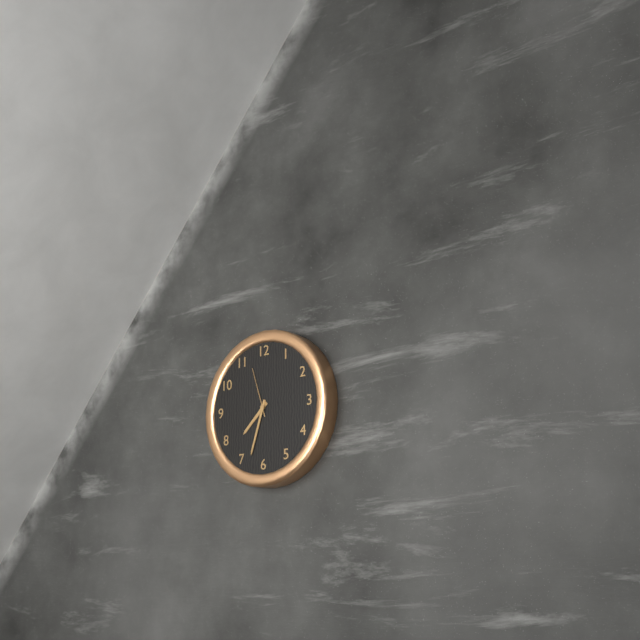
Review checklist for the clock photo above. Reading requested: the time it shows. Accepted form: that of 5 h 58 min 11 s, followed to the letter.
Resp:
7 h 33 min 57 s
